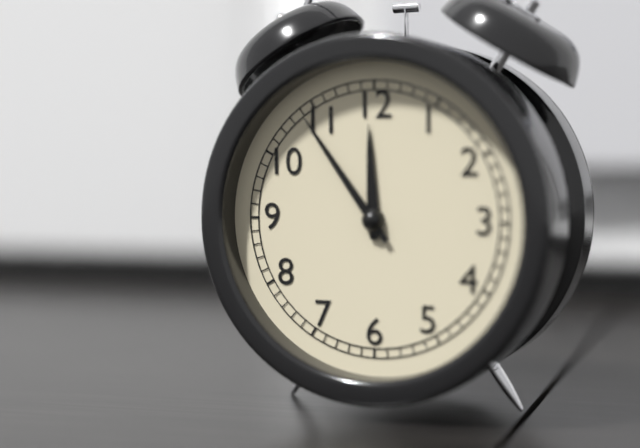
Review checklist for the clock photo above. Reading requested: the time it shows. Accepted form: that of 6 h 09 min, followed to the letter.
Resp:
11 h 54 min
